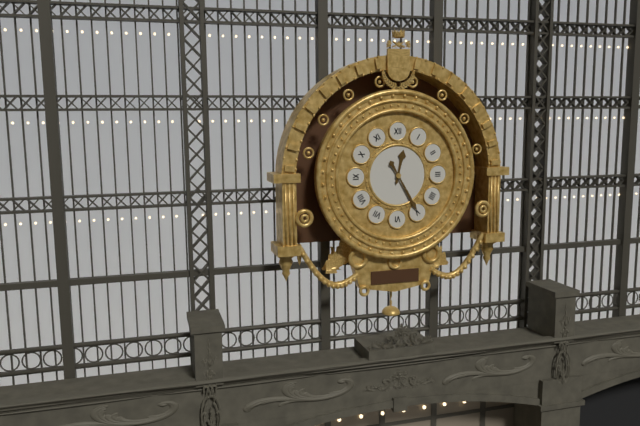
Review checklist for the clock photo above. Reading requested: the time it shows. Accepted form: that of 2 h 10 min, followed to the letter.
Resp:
12 h 25 min
